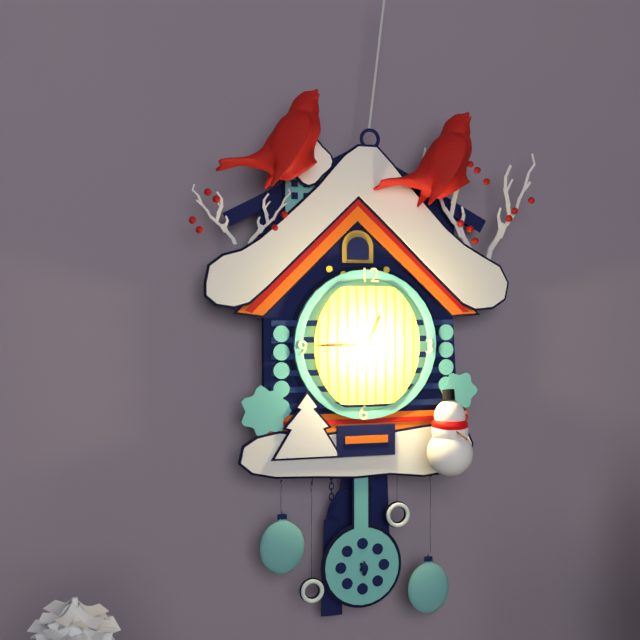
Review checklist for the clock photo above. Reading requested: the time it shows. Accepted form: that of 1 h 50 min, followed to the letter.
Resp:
12 h 45 min
